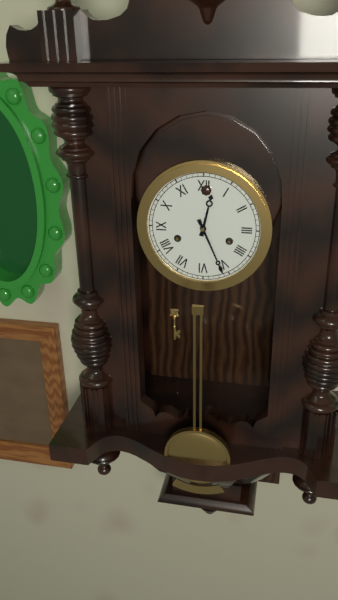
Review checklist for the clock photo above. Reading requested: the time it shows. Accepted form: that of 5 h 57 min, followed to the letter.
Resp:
12 h 26 min
